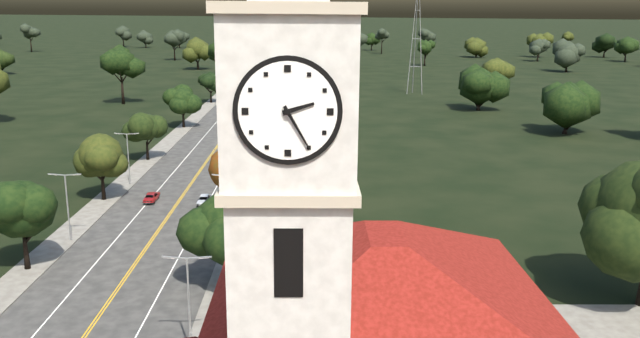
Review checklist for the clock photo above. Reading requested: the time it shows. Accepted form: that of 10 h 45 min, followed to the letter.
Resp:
2 h 25 min
